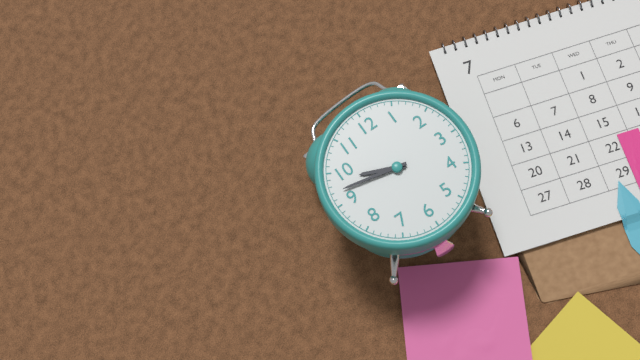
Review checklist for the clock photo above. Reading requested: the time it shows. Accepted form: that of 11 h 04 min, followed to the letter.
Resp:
9 h 47 min
